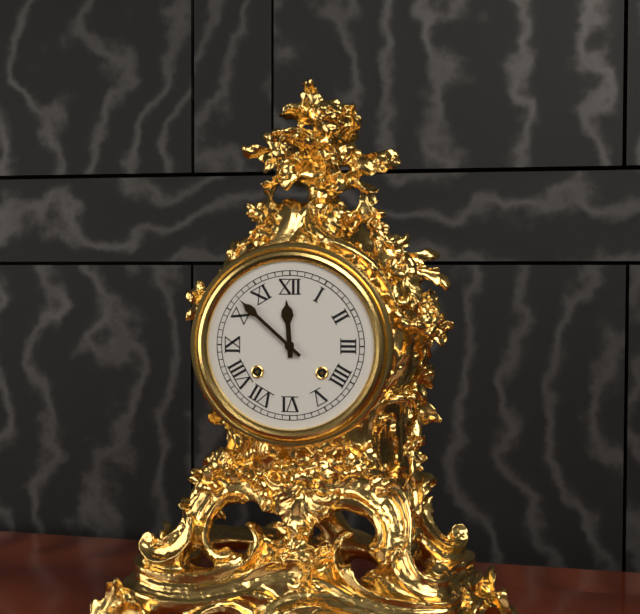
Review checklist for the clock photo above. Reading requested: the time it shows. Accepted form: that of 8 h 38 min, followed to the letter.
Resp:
11 h 52 min
